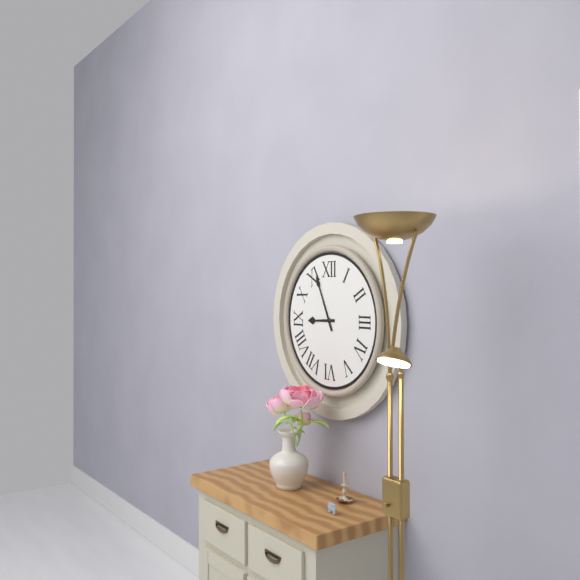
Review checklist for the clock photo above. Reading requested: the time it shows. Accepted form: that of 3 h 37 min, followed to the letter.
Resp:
8 h 56 min
